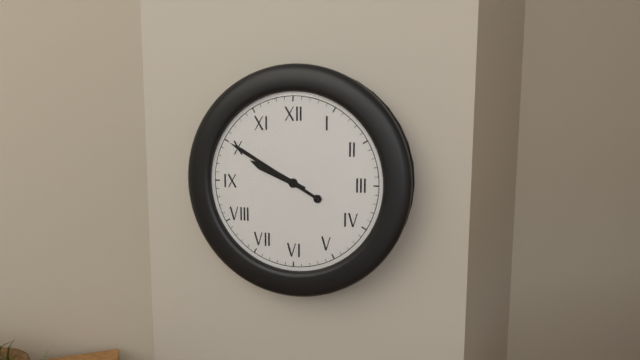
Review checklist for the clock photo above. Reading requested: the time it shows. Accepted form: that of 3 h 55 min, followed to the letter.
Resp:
9 h 50 min
